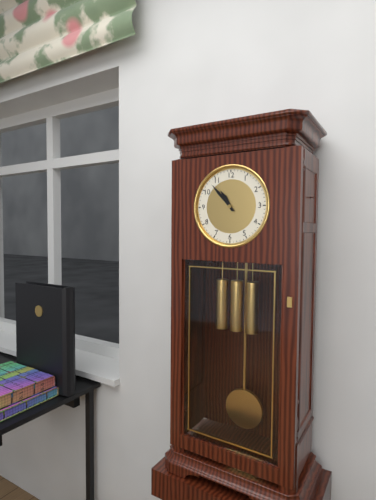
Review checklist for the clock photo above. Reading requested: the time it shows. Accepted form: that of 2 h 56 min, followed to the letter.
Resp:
10 h 53 min
